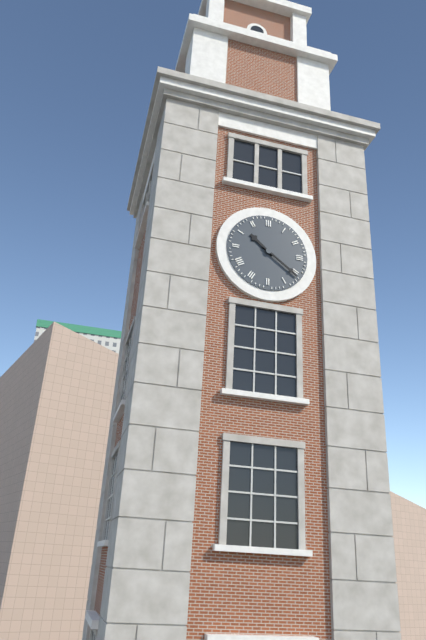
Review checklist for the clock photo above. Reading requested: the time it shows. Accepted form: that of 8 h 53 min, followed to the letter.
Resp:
10 h 21 min
